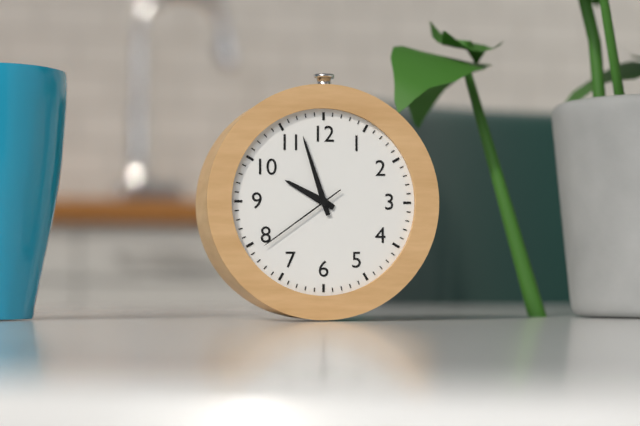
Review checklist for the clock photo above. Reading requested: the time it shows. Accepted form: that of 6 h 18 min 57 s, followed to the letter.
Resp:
9 h 57 min 39 s
